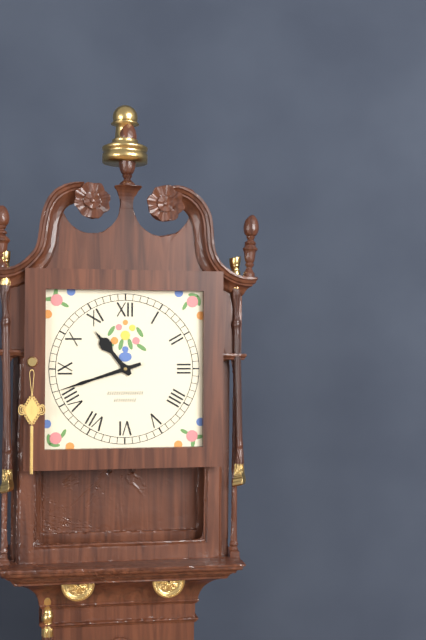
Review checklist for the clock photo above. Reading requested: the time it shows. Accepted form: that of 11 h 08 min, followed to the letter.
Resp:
10 h 42 min
